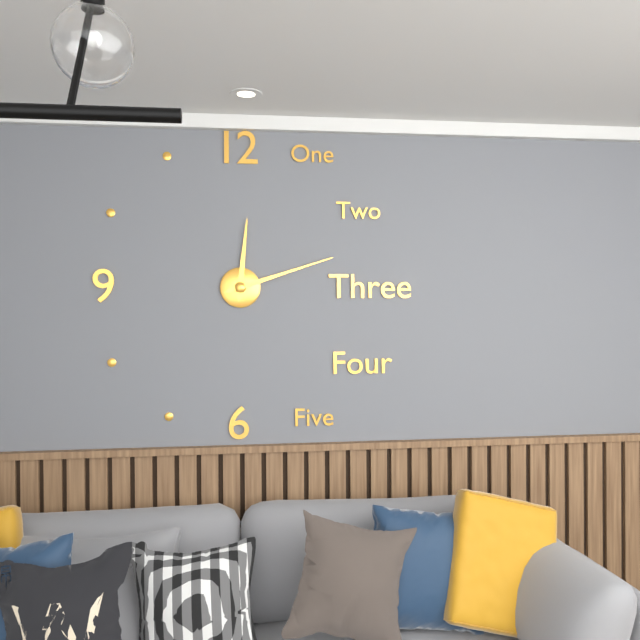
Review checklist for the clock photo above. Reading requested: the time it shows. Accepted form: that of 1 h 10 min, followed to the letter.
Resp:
12 h 12 min
